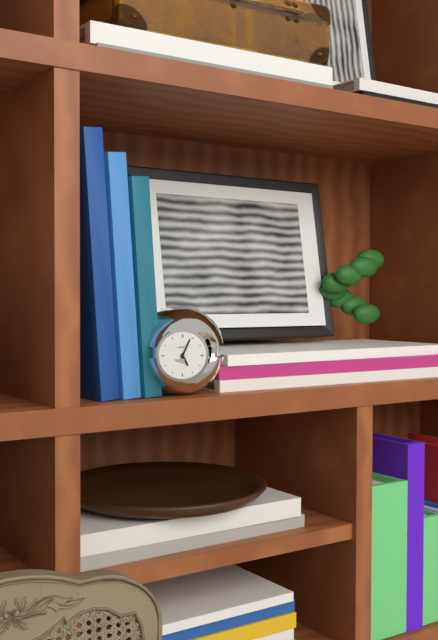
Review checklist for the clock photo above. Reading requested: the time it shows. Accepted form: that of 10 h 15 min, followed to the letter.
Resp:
5 h 04 min
